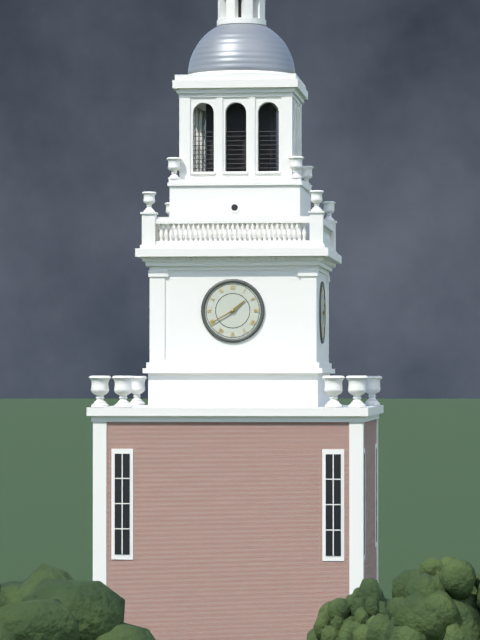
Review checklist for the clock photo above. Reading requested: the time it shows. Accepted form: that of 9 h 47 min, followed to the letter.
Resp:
1 h 40 min
